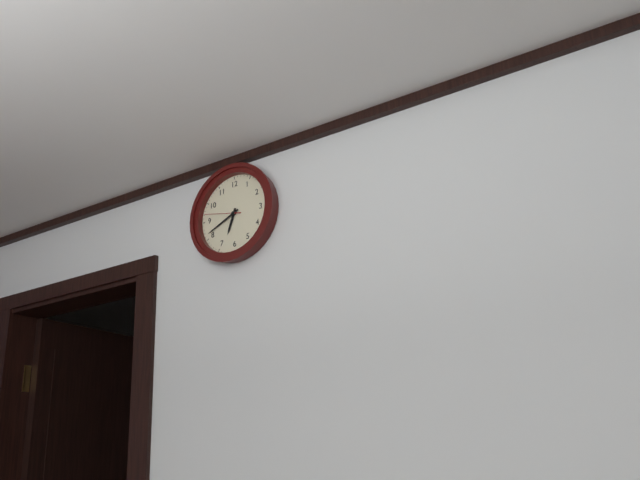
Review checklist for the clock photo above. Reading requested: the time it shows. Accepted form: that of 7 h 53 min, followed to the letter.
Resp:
6 h 41 min
